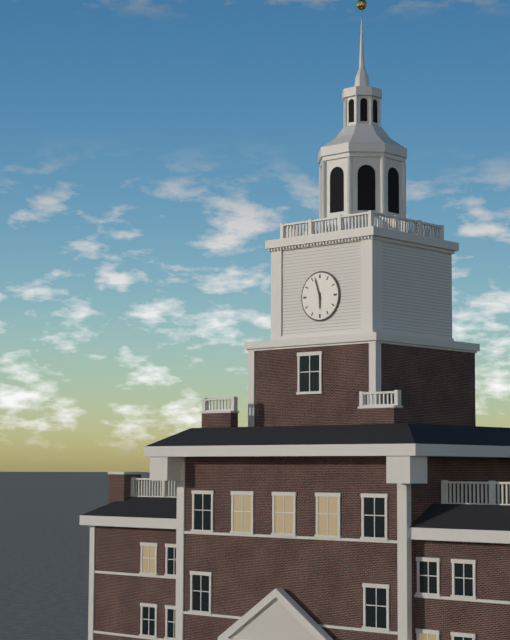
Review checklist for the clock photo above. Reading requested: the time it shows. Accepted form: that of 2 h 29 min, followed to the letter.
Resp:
5 h 57 min
